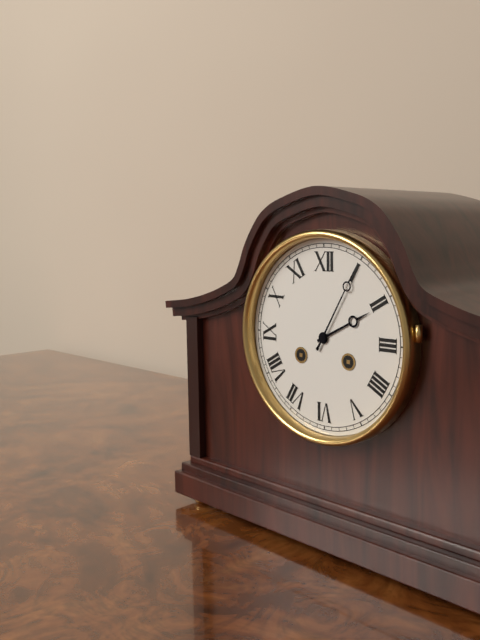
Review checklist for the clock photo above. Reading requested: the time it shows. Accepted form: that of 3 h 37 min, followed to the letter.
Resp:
2 h 05 min
